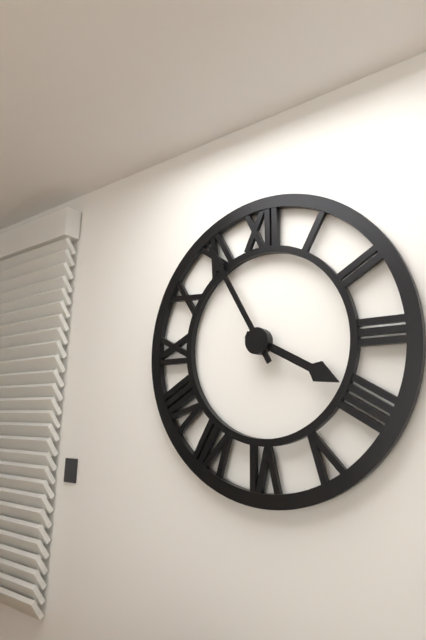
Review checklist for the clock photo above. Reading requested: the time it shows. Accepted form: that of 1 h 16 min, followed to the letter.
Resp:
3 h 55 min
